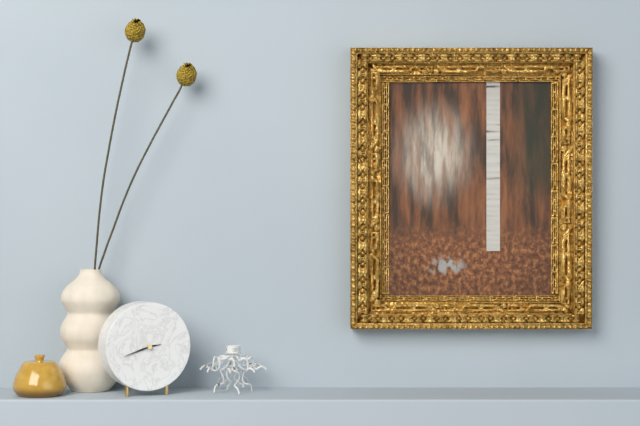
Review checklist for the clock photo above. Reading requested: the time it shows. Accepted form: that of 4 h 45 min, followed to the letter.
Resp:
2 h 42 min
